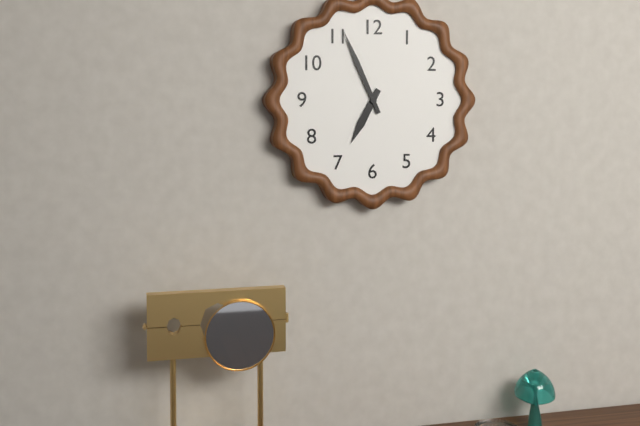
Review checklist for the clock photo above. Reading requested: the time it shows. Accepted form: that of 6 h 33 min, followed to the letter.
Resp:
6 h 56 min
